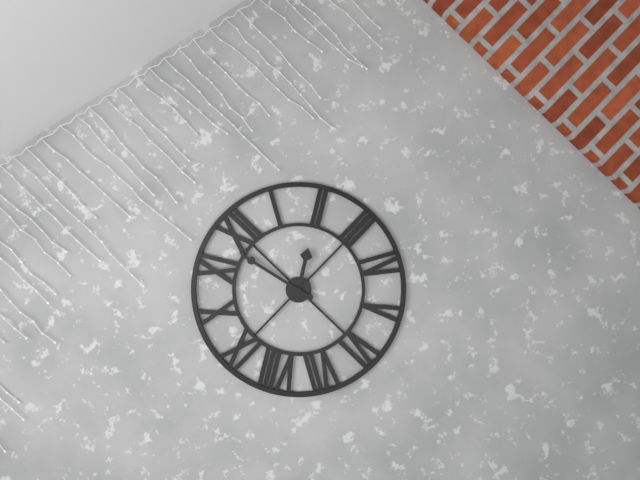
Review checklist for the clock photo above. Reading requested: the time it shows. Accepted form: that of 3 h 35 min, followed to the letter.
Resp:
1 h 58 min
